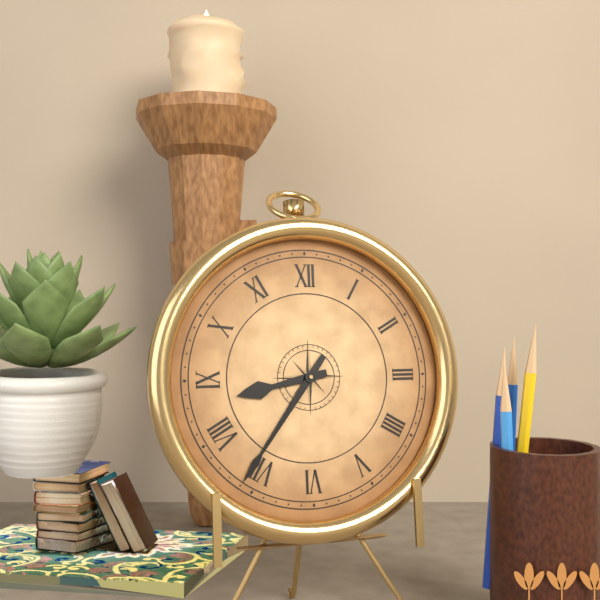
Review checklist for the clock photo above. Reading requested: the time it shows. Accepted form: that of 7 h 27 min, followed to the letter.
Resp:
8 h 36 min
